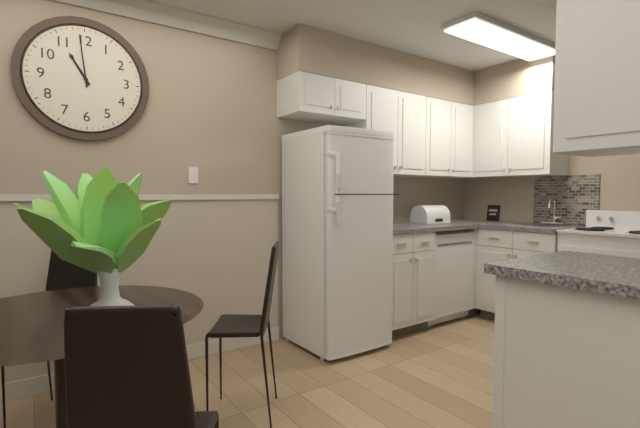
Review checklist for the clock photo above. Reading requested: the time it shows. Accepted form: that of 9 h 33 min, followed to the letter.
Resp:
10 h 59 min
